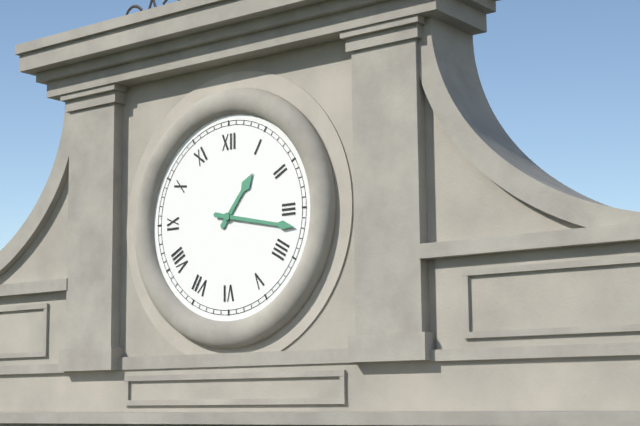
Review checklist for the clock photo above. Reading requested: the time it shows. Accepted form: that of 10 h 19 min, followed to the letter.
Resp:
1 h 17 min
